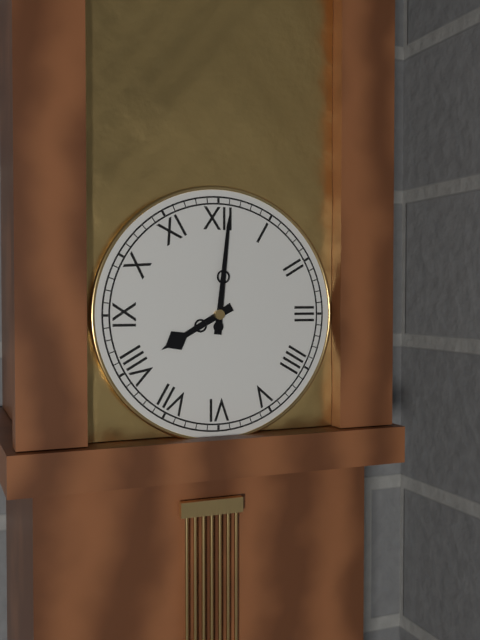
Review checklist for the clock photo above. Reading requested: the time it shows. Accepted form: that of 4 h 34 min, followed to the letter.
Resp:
8 h 01 min
